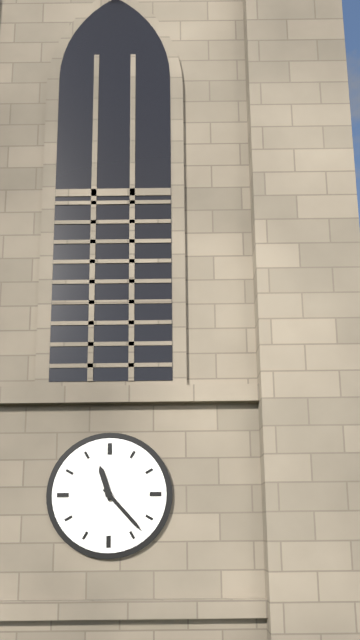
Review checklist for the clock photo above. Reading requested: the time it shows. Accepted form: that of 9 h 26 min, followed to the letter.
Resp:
11 h 23 min
